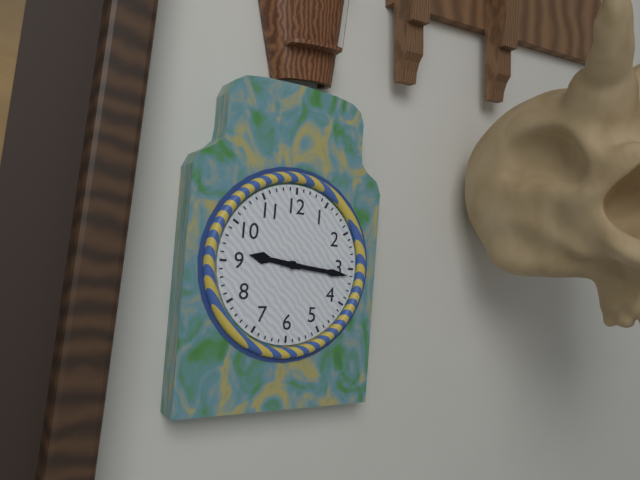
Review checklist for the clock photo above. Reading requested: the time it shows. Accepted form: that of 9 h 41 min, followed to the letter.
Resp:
9 h 16 min
